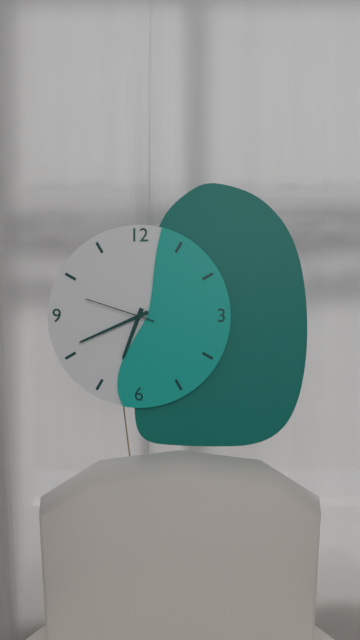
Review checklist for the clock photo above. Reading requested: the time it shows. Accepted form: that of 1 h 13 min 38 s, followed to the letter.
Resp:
6 h 41 min 48 s
